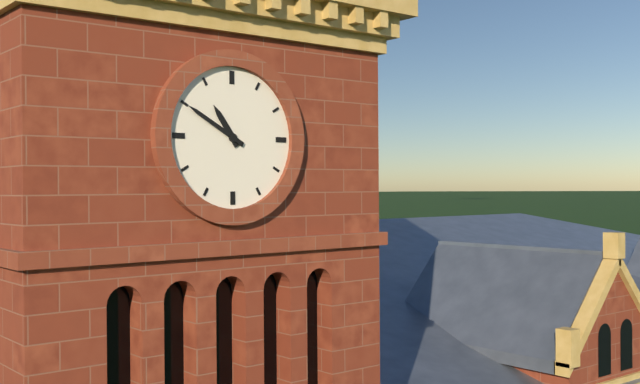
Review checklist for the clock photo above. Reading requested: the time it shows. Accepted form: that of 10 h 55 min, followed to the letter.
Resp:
10 h 50 min
